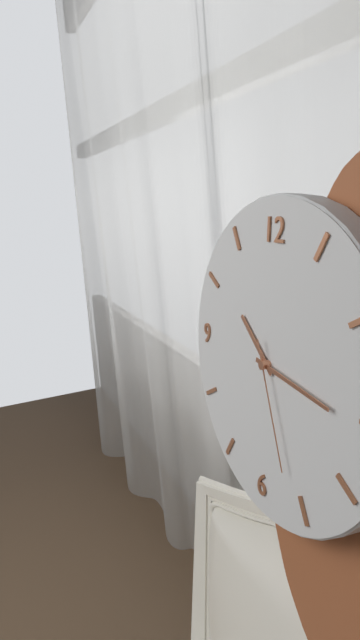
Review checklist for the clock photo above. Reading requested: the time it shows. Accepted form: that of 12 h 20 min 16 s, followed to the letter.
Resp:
10 h 16 min 26 s
